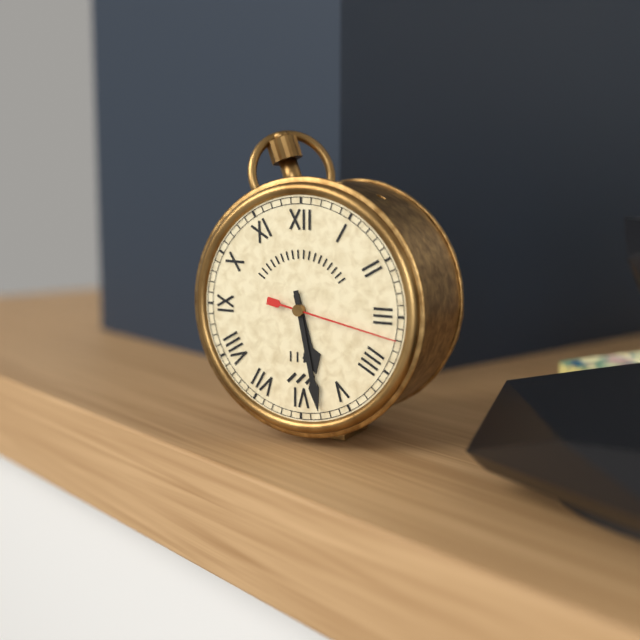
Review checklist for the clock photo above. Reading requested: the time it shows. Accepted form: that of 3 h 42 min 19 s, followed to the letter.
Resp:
5 h 28 min 17 s
